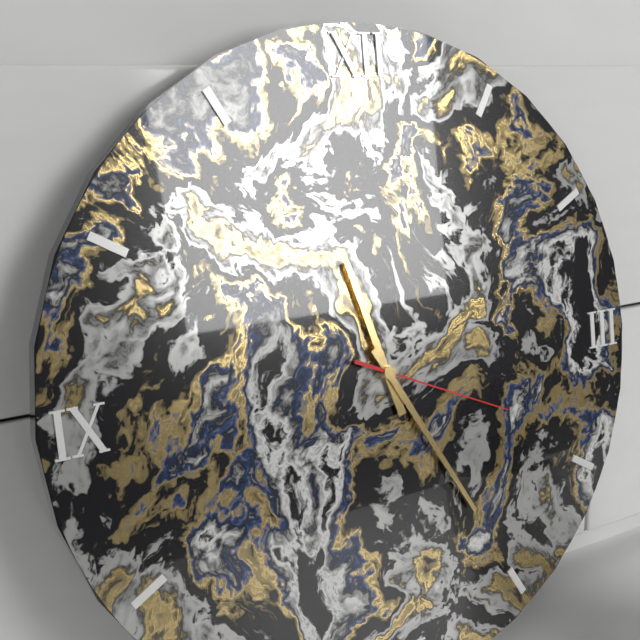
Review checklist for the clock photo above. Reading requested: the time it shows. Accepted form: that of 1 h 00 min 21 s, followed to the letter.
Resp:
11 h 25 min 19 s
